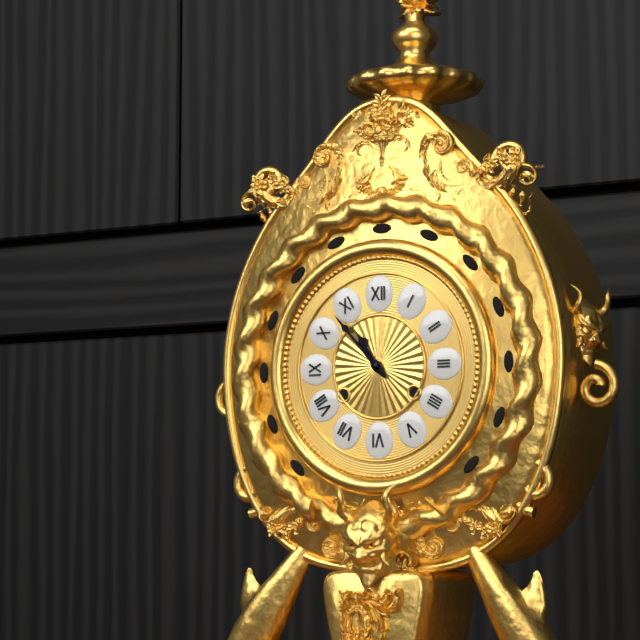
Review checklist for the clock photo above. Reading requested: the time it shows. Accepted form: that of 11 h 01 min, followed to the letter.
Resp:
10 h 53 min
